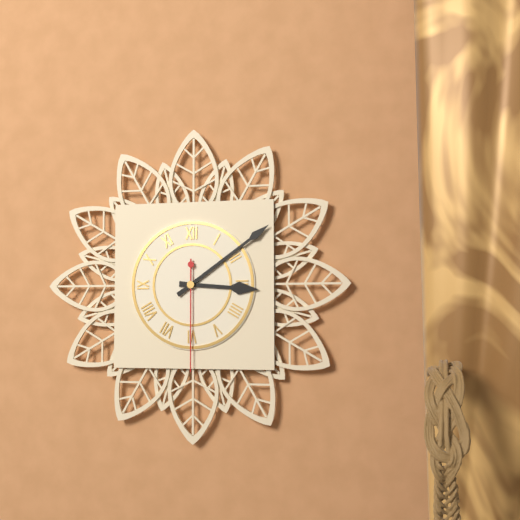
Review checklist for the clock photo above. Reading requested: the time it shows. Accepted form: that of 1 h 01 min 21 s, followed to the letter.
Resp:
3 h 09 min 30 s
